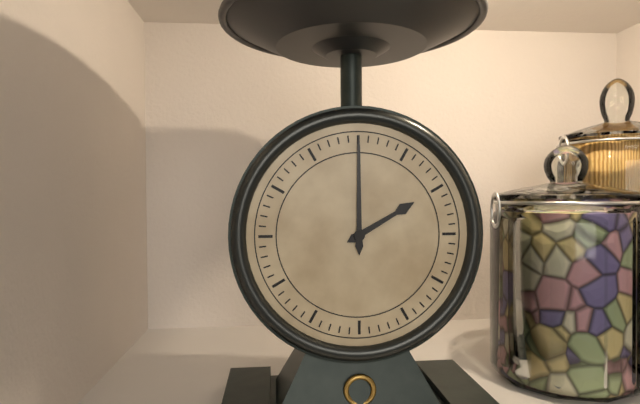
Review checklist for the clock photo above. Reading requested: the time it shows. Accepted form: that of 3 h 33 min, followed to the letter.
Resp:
2 h 00 min
